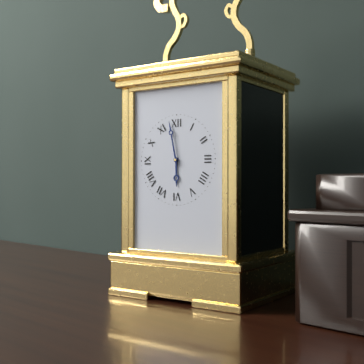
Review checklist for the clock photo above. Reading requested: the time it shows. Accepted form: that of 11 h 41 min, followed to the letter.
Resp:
5 h 58 min
